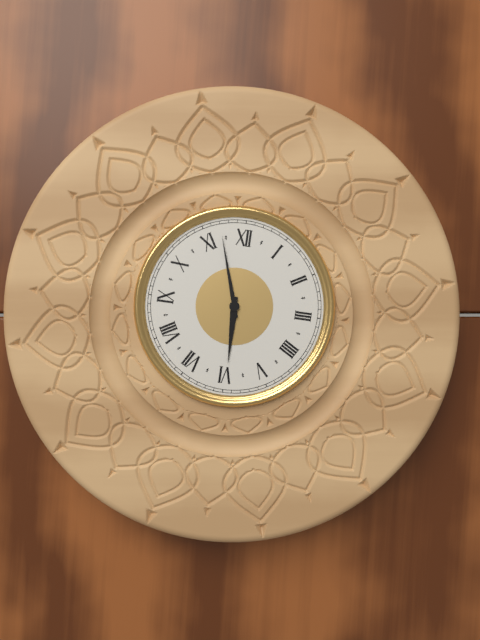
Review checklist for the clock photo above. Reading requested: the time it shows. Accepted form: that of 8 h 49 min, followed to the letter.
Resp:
5 h 57 min
